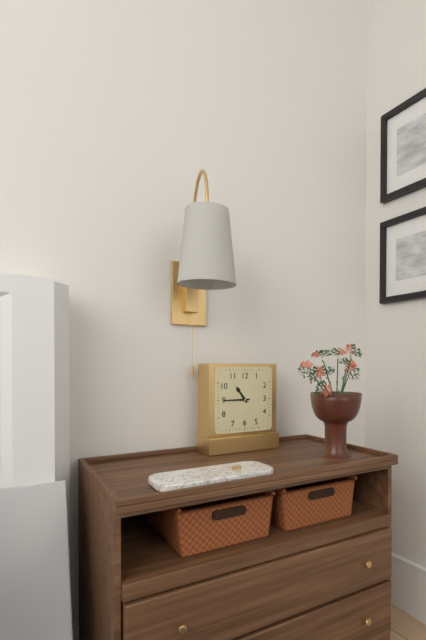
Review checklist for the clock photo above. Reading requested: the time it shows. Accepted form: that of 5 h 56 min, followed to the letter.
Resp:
10 h 45 min
